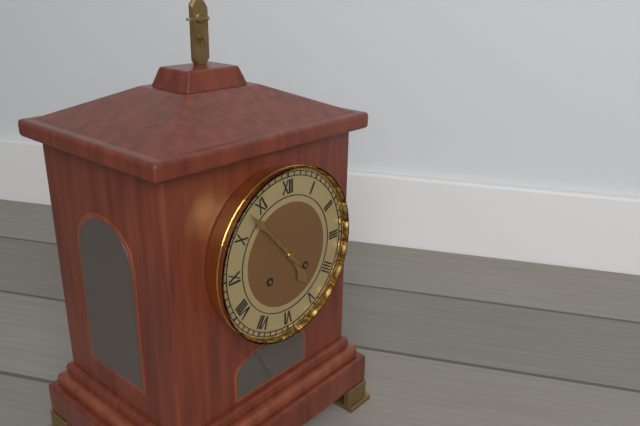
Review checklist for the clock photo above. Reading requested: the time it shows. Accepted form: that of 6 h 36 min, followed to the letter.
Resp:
4 h 53 min
